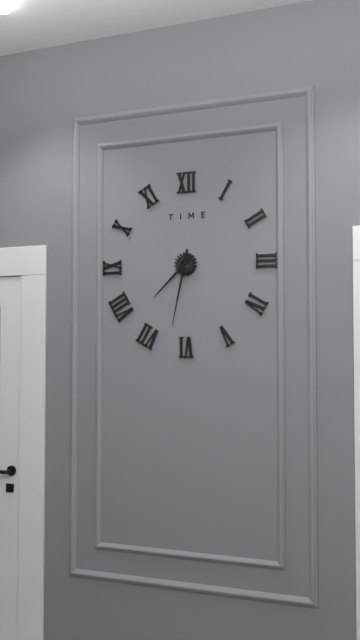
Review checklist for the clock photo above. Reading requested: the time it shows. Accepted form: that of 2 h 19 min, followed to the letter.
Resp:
7 h 32 min
